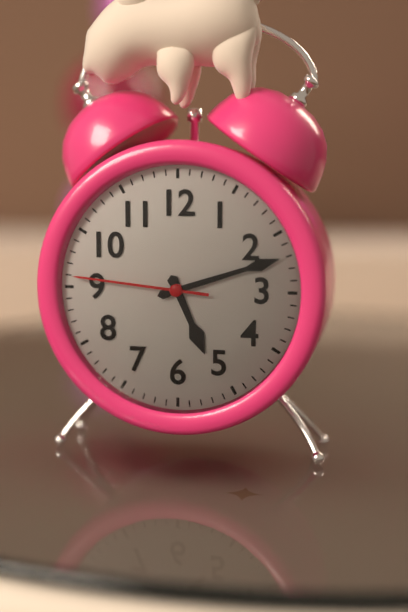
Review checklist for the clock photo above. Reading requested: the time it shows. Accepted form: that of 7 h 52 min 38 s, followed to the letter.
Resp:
5 h 12 min 46 s
